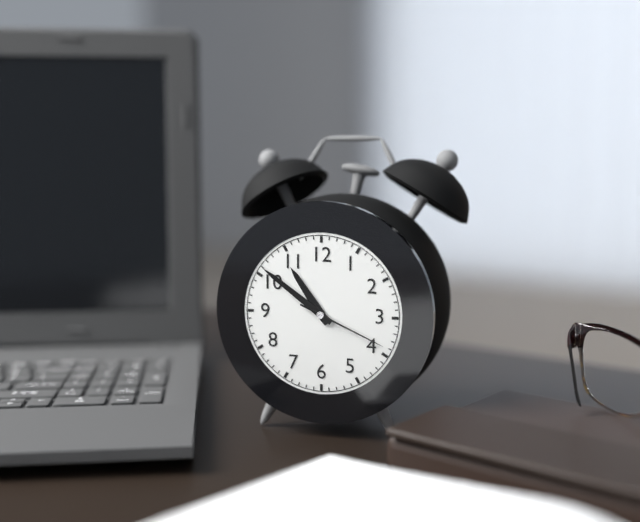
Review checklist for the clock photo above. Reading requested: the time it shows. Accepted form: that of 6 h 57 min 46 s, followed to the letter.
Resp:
10 h 51 min 19 s
